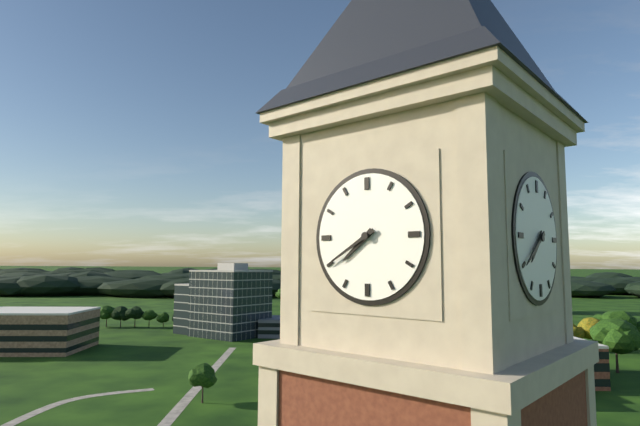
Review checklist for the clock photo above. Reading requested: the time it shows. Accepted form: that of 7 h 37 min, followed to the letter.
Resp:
7 h 40 min
